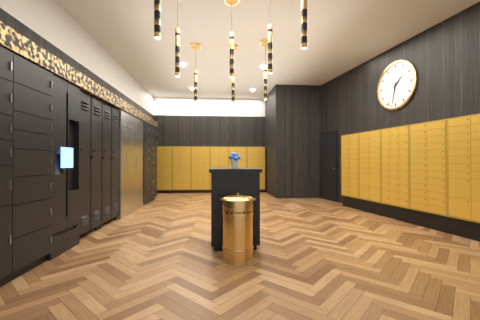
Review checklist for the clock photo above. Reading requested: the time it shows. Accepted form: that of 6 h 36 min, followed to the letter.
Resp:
1 h 32 min
